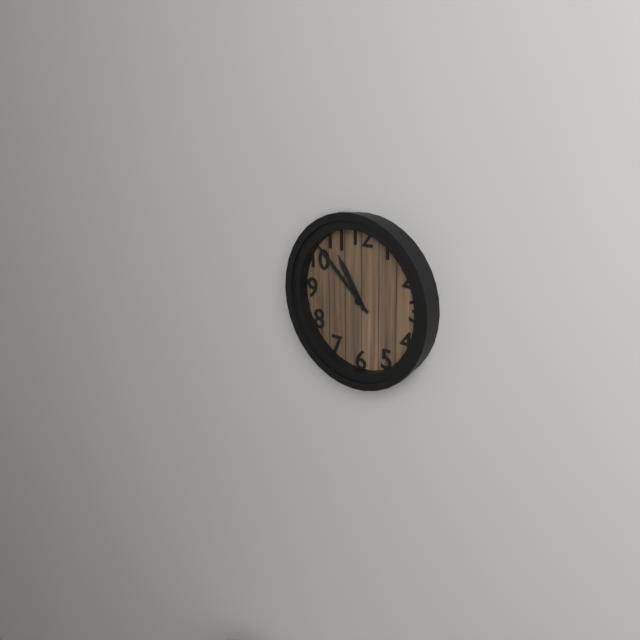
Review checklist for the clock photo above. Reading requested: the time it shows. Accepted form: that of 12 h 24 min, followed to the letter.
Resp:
10 h 52 min
